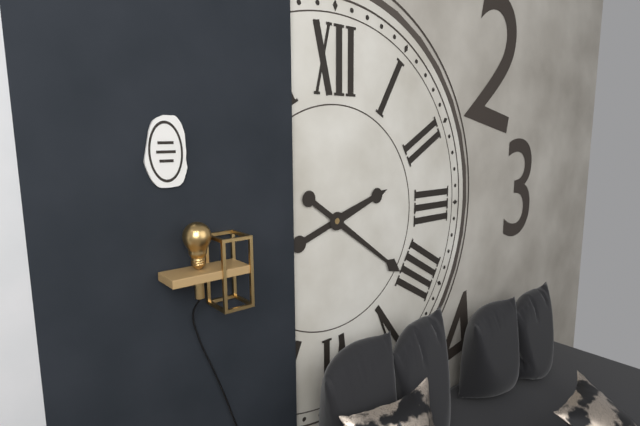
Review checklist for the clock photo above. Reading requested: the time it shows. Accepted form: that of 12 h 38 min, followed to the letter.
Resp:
2 h 21 min
